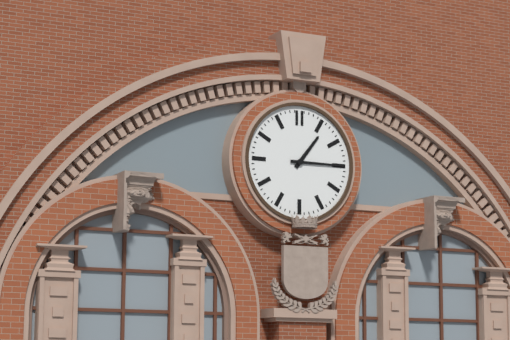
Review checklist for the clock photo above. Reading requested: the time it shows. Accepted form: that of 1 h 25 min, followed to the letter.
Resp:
1 h 15 min
